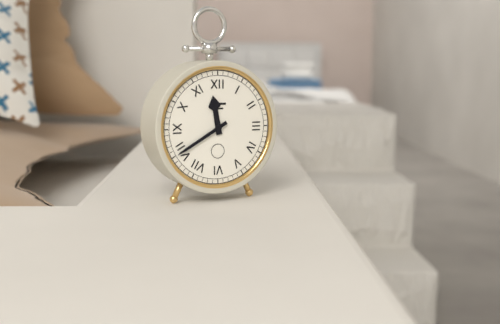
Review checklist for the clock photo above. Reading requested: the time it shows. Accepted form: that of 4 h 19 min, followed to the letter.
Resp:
11 h 40 min
